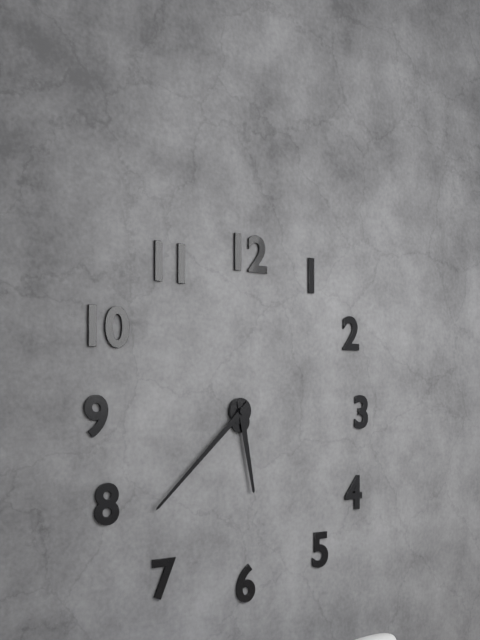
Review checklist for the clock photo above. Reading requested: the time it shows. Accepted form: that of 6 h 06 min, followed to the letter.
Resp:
5 h 38 min
